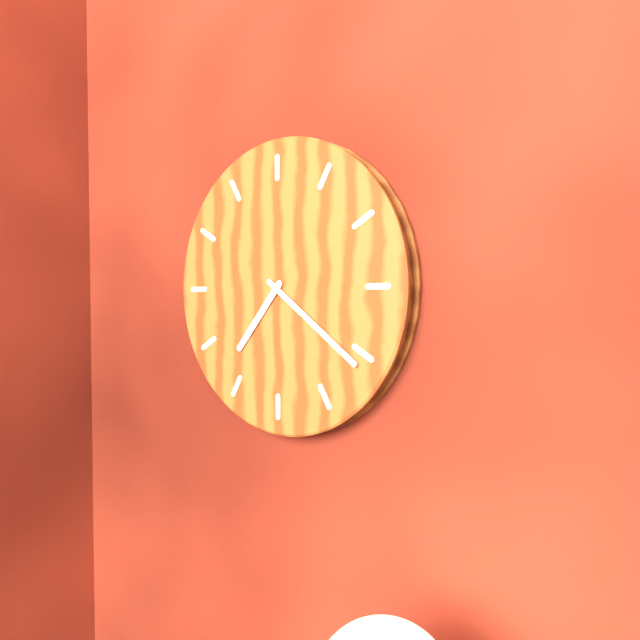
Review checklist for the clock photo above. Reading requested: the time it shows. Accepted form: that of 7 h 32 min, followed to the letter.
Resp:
7 h 21 min
